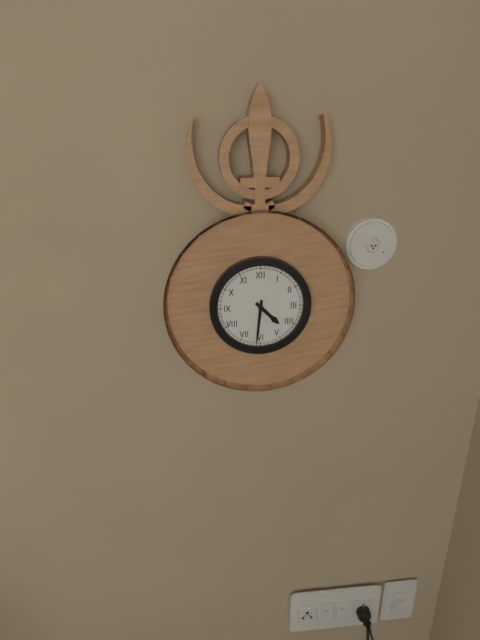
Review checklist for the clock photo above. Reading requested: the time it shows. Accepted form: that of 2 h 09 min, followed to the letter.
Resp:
4 h 31 min
